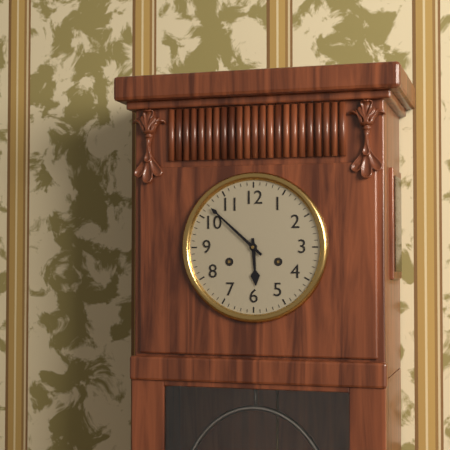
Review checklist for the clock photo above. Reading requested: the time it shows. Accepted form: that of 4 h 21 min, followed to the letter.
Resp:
5 h 52 min
